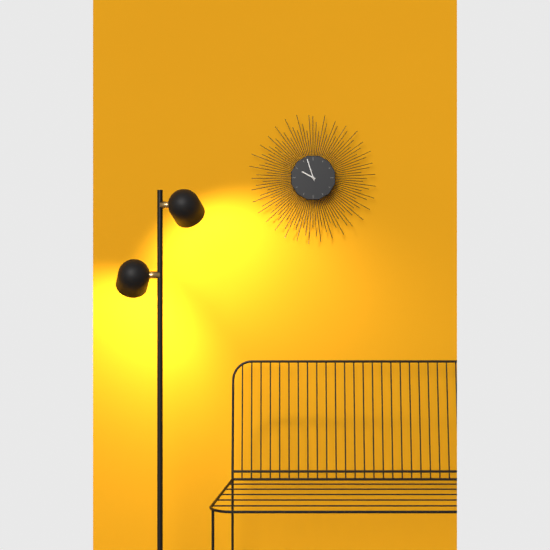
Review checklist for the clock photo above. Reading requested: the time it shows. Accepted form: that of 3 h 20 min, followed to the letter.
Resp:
9 h 57 min
